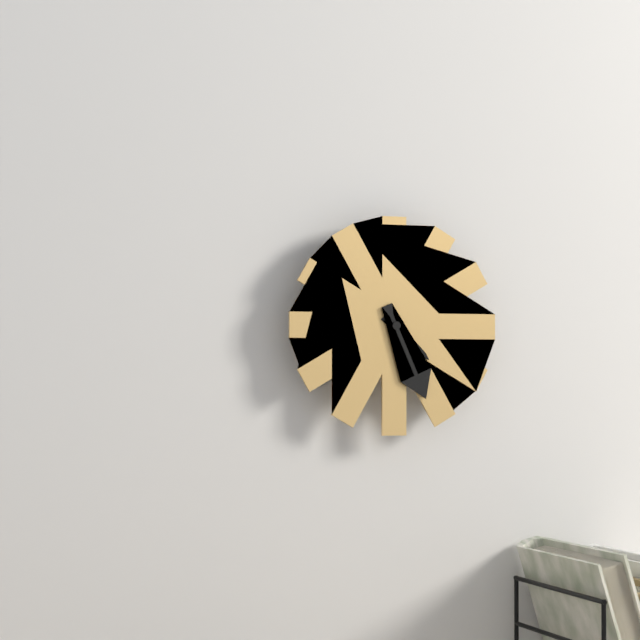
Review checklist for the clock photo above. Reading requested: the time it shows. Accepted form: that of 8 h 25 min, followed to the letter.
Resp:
4 h 26 min
